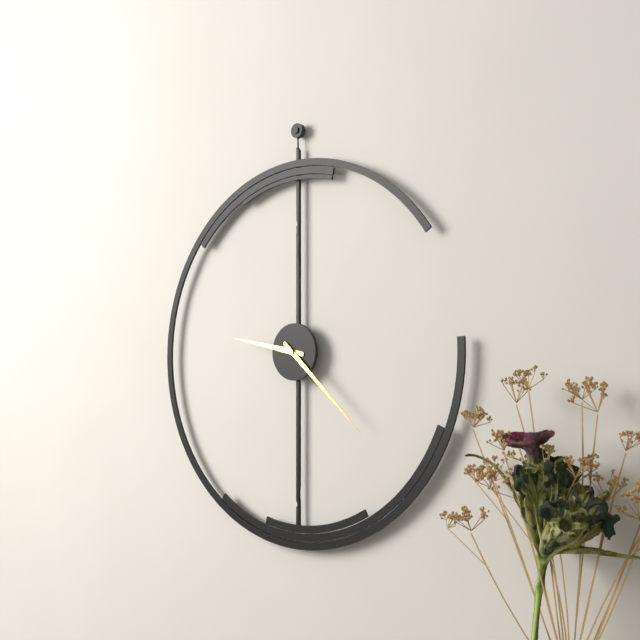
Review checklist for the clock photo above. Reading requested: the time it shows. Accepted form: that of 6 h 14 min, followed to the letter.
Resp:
9 h 22 min
